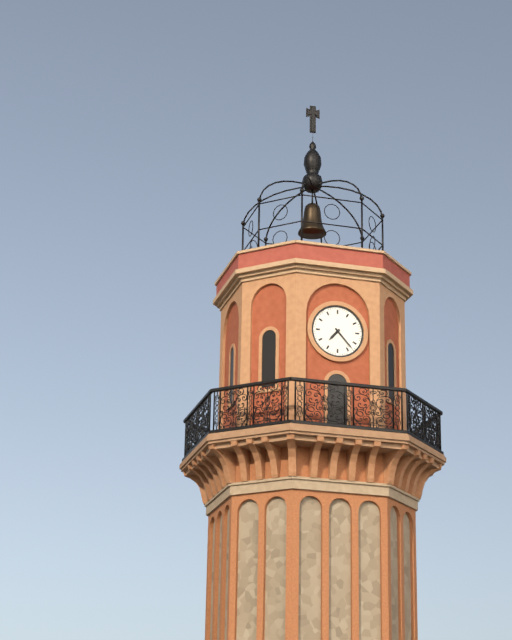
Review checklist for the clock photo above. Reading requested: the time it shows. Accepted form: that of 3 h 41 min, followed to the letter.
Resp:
7 h 23 min
